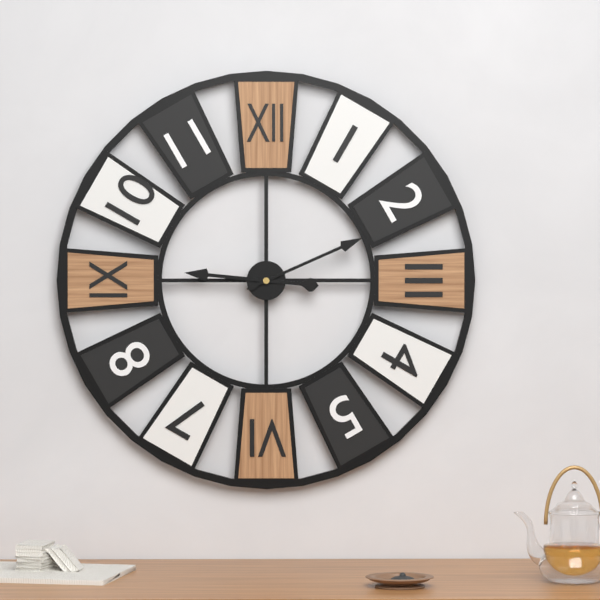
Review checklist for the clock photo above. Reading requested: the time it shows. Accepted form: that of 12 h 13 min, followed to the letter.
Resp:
9 h 11 min
